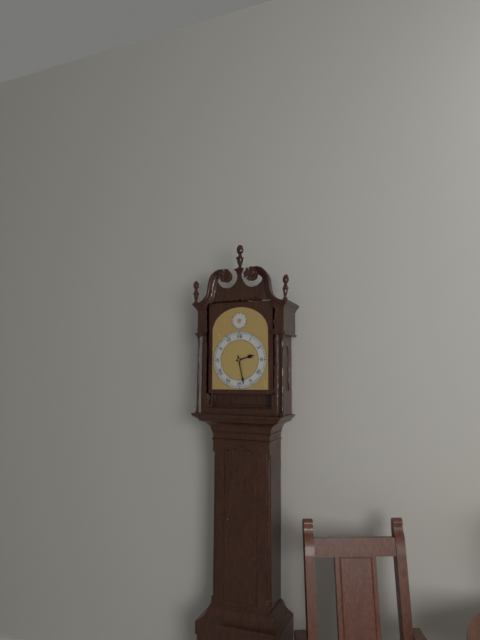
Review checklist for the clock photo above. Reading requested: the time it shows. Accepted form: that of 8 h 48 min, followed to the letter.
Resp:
2 h 28 min
